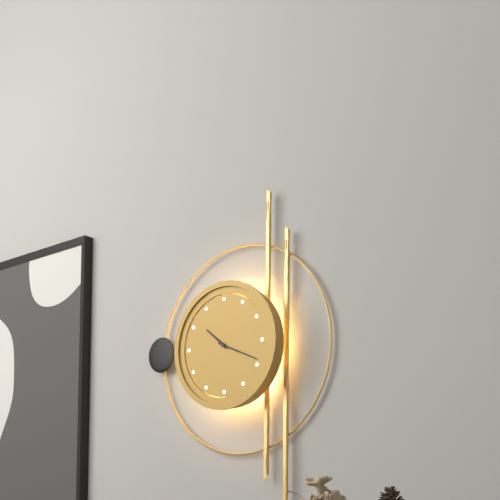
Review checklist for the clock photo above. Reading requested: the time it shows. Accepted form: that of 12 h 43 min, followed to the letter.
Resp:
10 h 19 min
